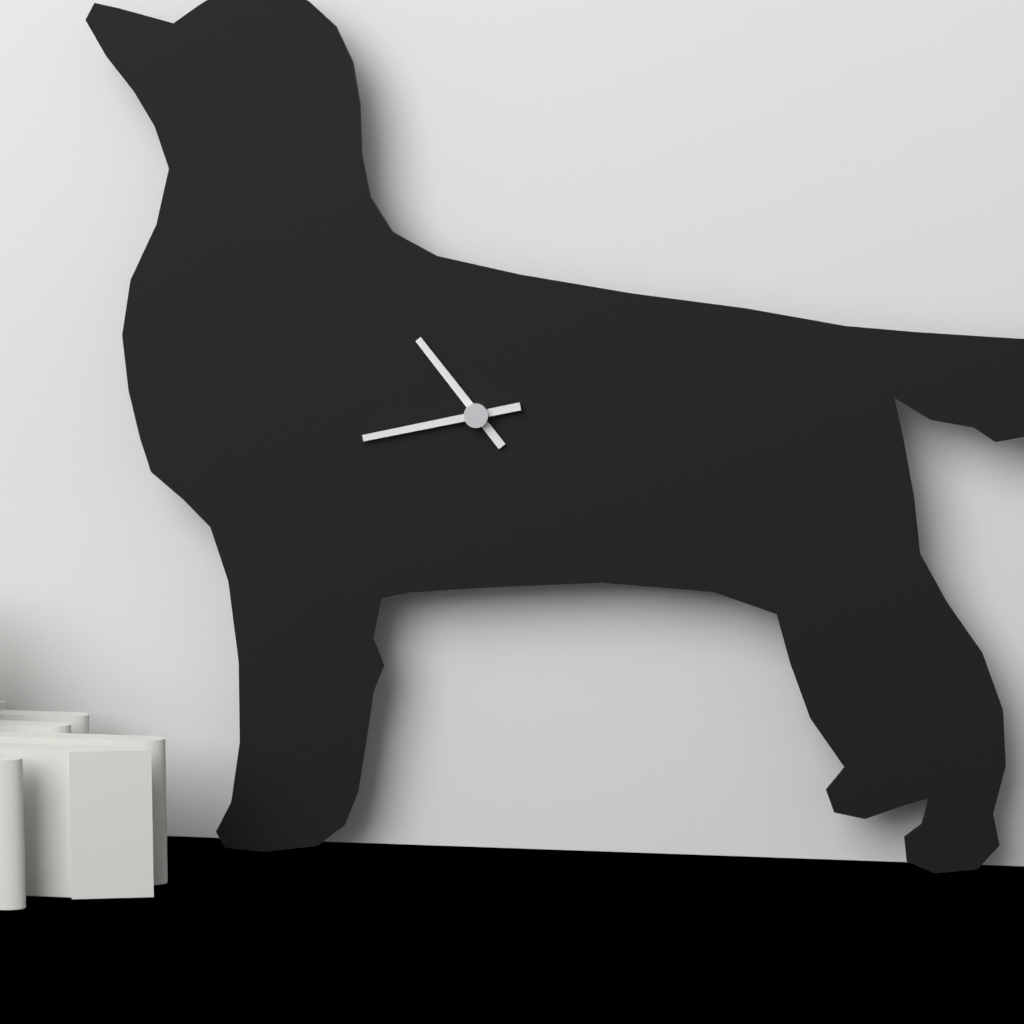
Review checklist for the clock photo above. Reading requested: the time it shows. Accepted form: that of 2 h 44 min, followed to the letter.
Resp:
10 h 43 min
